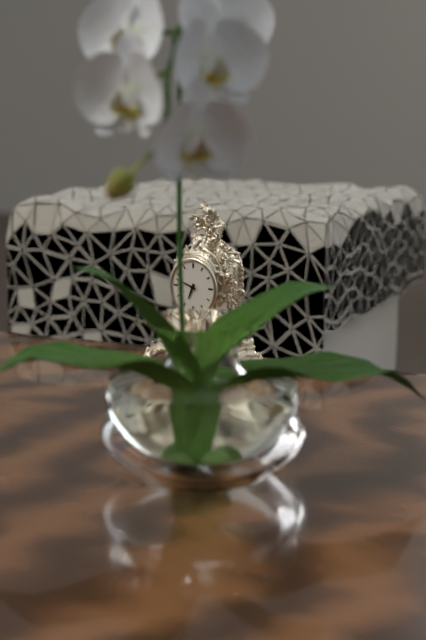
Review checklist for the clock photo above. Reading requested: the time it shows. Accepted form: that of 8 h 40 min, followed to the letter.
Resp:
6 h 48 min
